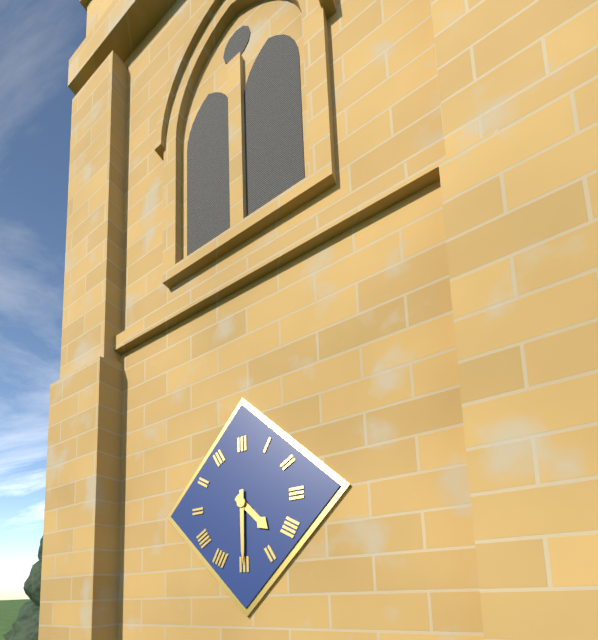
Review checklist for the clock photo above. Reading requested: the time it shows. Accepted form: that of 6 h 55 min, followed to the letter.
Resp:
4 h 30 min
